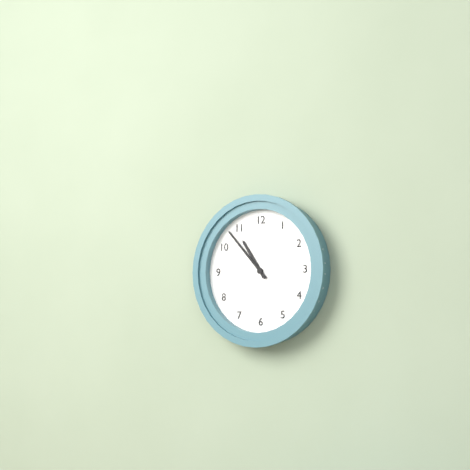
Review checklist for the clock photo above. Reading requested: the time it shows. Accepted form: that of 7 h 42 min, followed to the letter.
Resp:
10 h 53 min
